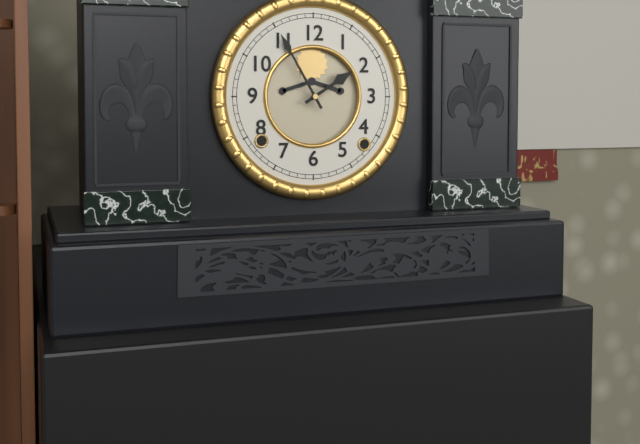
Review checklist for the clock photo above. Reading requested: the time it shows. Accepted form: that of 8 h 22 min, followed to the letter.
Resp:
1 h 55 min
